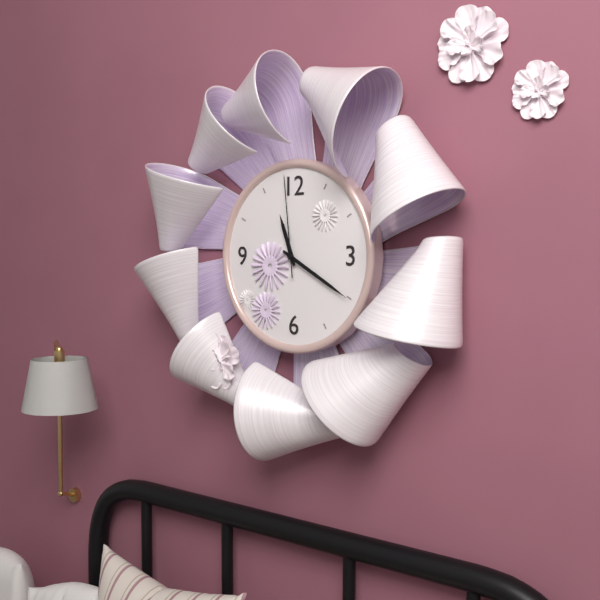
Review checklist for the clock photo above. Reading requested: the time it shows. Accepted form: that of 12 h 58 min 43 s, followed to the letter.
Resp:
11 h 20 min 59 s
